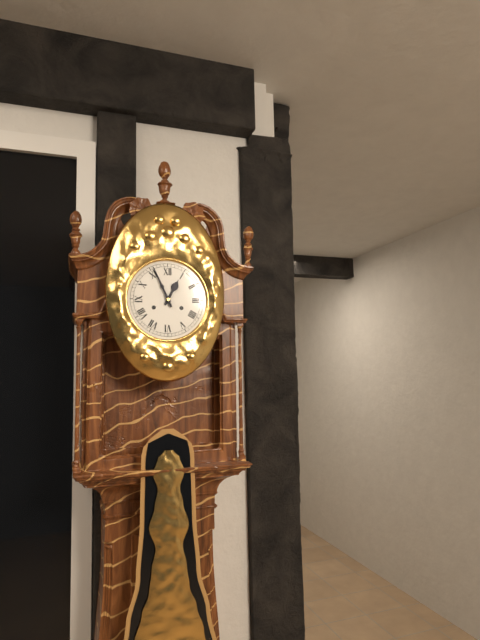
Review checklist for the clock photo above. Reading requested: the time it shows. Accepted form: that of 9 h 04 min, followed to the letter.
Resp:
12 h 56 min
